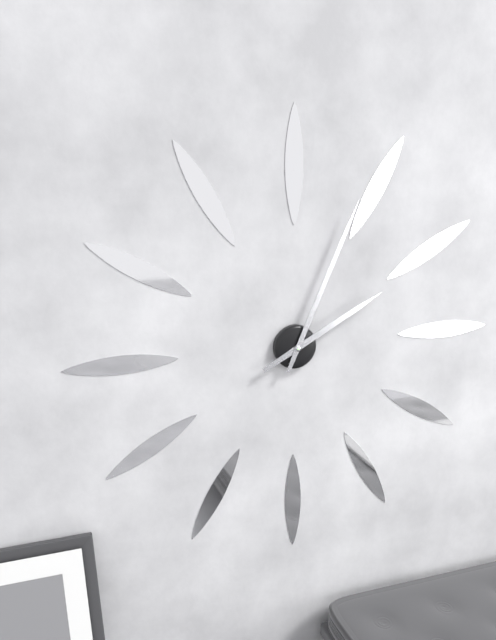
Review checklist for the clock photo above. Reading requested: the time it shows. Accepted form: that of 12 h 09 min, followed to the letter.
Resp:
2 h 04 min
